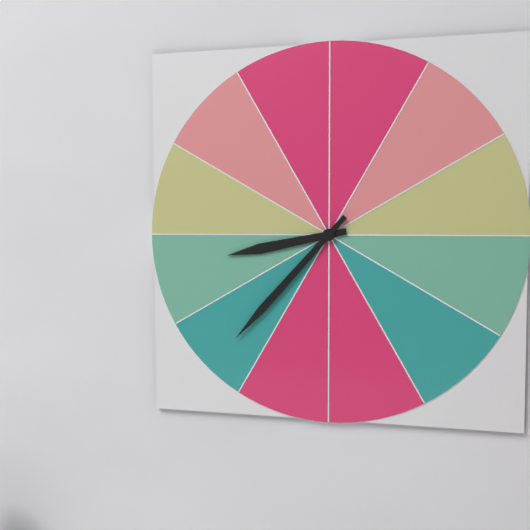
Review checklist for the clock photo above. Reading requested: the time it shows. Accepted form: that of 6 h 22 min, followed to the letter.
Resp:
8 h 37 min
